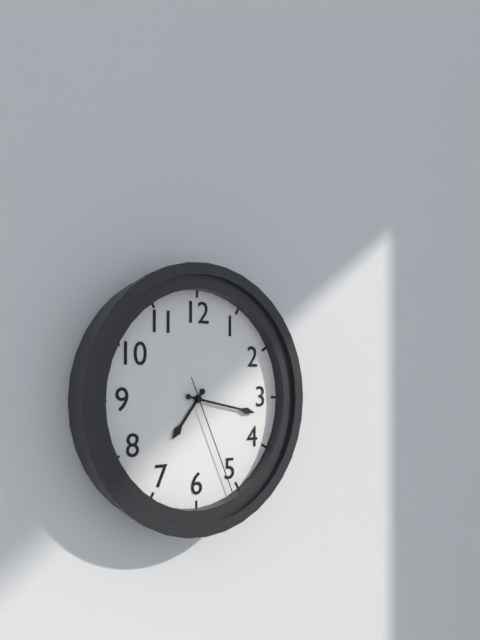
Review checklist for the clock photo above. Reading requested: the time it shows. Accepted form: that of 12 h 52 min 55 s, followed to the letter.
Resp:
7 h 17 min 26 s
